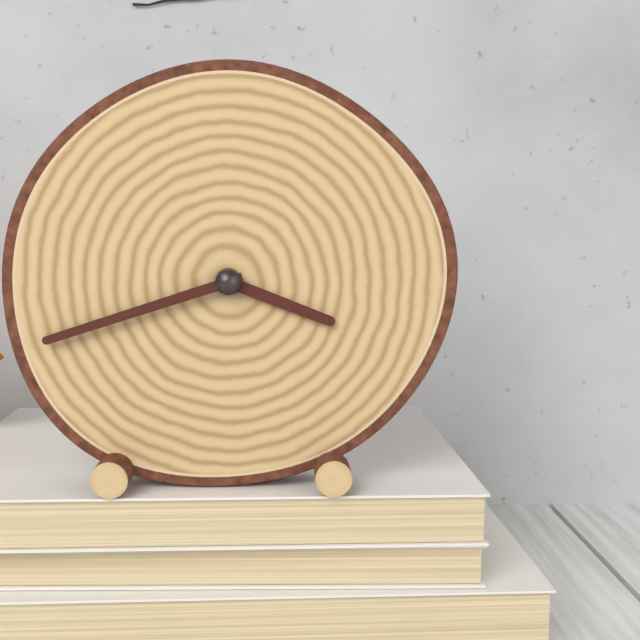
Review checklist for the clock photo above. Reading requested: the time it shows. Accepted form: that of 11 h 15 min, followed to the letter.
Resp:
3 h 42 min
